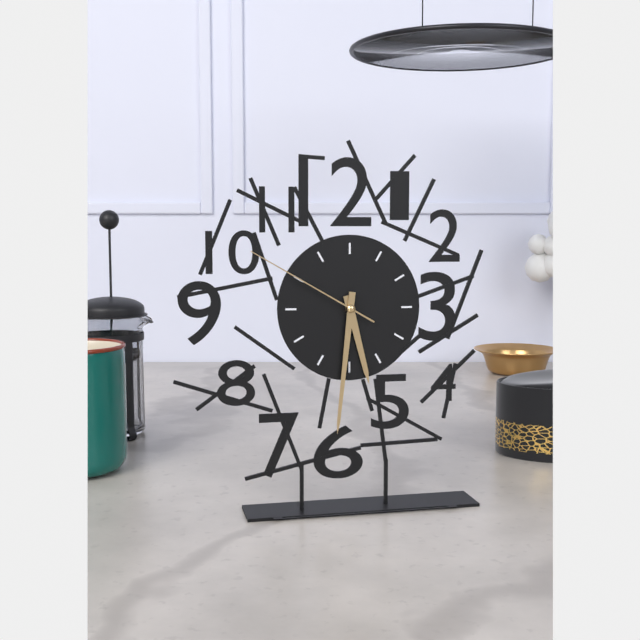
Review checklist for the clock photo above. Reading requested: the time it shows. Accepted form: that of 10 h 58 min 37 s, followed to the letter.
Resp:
5 h 31 min 50 s
